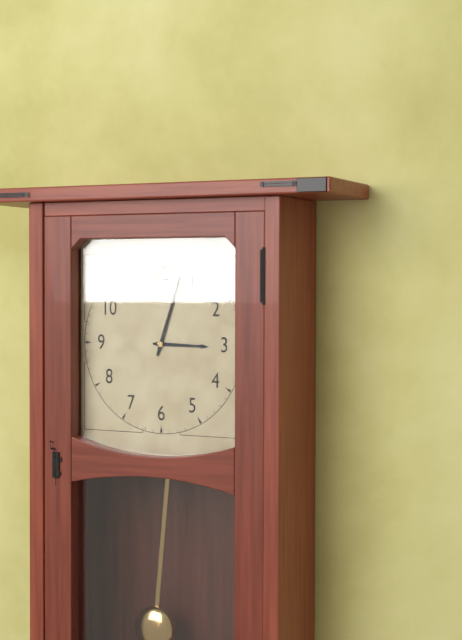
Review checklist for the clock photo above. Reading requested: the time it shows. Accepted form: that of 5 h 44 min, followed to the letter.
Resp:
3 h 03 min
